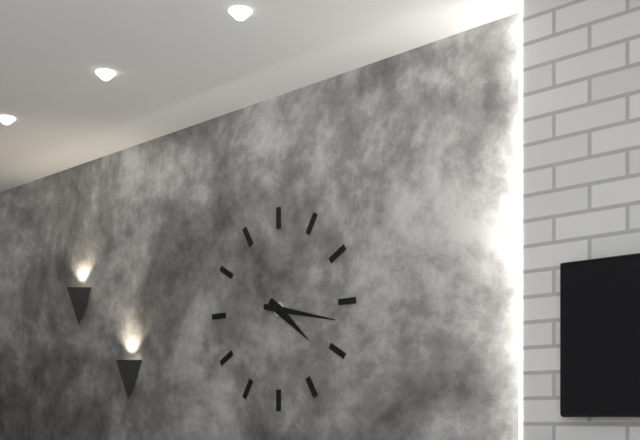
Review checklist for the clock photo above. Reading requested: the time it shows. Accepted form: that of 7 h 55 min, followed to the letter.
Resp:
4 h 17 min
